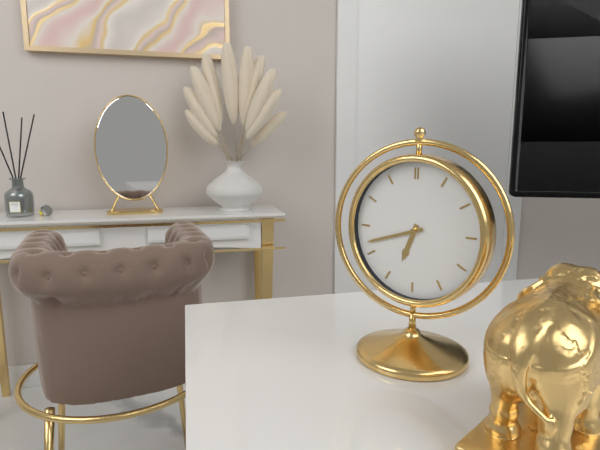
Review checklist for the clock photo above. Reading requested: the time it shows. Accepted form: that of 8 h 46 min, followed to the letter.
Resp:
6 h 42 min
